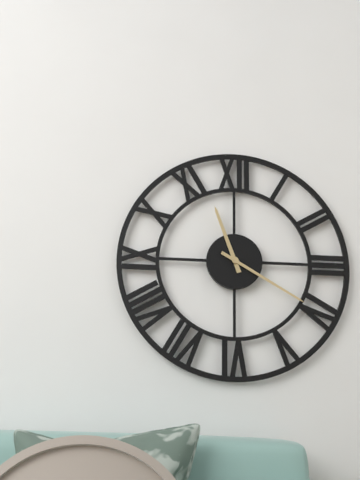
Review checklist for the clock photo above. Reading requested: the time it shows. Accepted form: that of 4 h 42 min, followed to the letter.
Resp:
11 h 20 min
